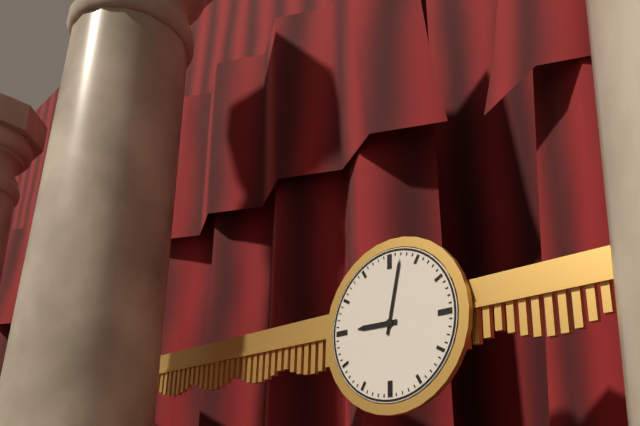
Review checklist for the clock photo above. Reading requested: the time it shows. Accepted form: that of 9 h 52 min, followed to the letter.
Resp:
9 h 02 min
